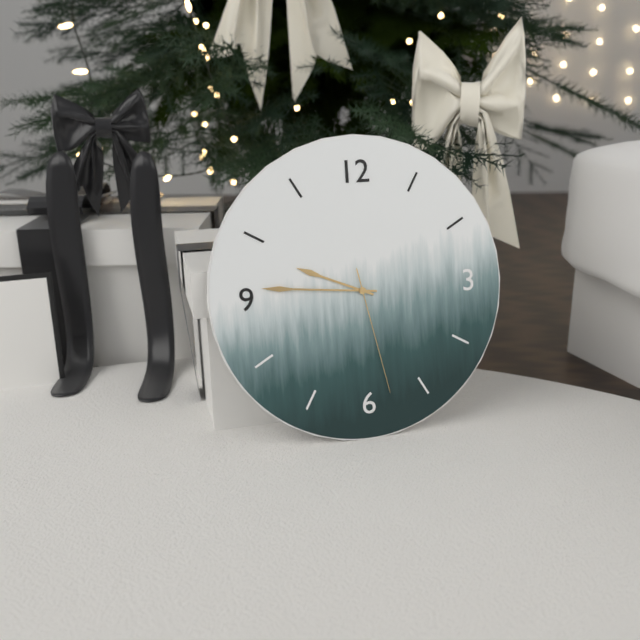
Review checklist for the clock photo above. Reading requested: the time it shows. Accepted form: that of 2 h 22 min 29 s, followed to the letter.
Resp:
9 h 46 min 28 s
